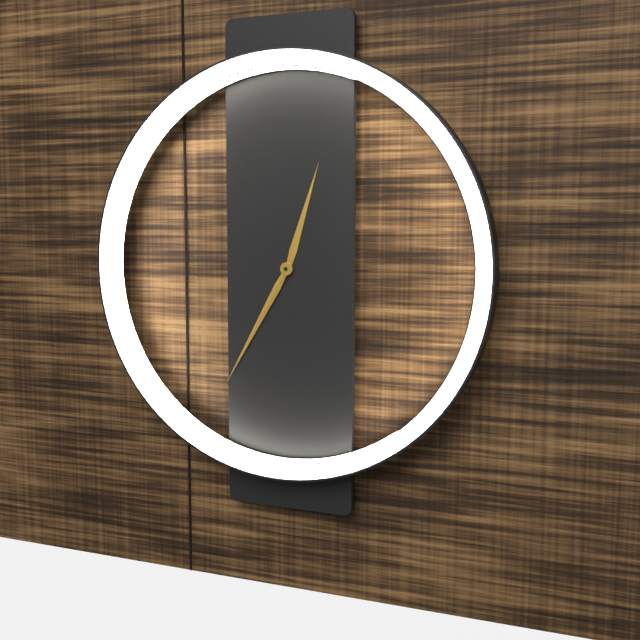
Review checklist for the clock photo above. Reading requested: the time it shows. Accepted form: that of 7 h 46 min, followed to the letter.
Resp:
12 h 35 min
